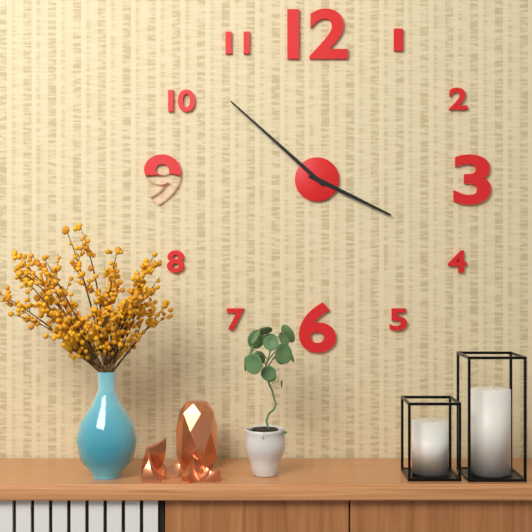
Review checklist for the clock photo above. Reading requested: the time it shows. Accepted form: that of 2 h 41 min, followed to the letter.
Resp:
3 h 52 min
